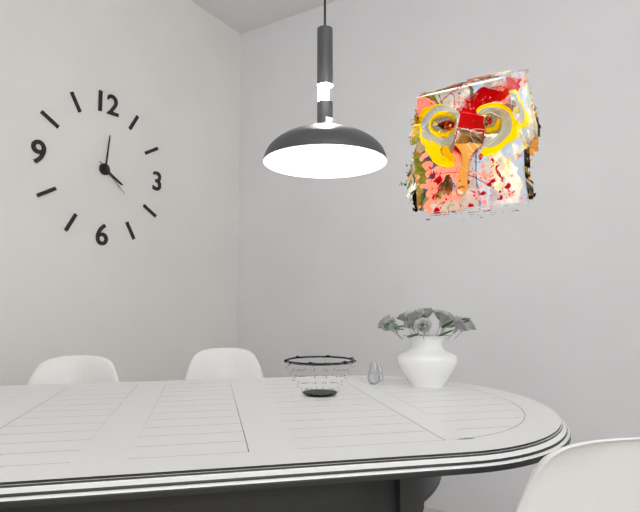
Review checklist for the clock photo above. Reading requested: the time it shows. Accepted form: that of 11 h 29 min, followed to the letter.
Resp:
4 h 01 min
